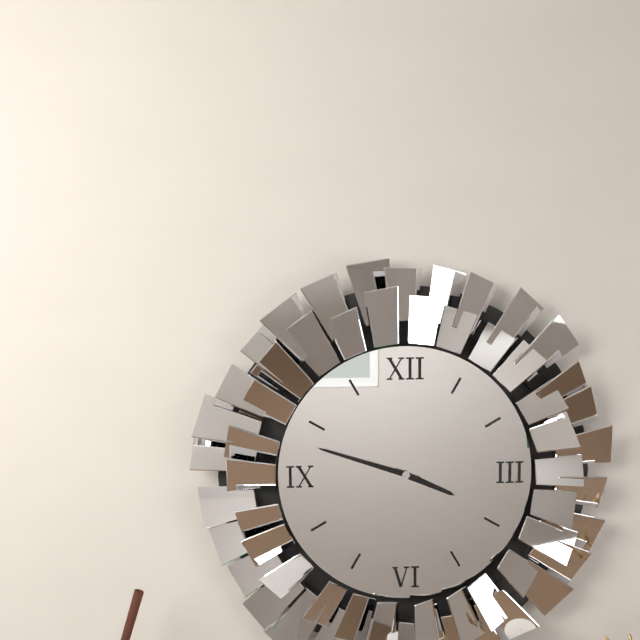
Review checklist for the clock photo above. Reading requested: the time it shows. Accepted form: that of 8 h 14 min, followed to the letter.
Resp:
3 h 48 min
